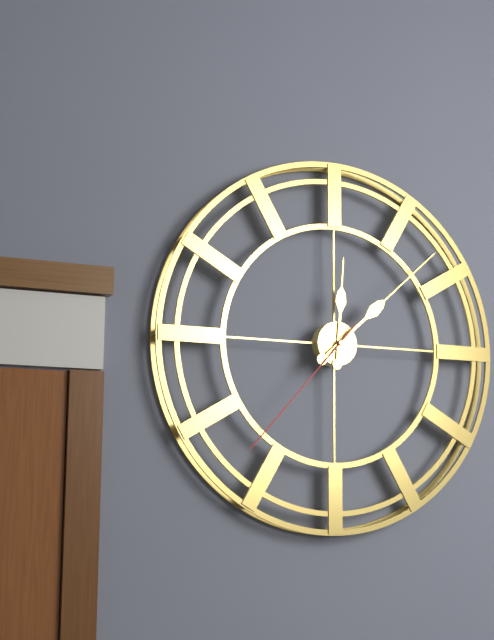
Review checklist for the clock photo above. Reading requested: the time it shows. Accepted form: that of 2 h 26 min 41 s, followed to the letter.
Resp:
12 h 08 min 37 s
